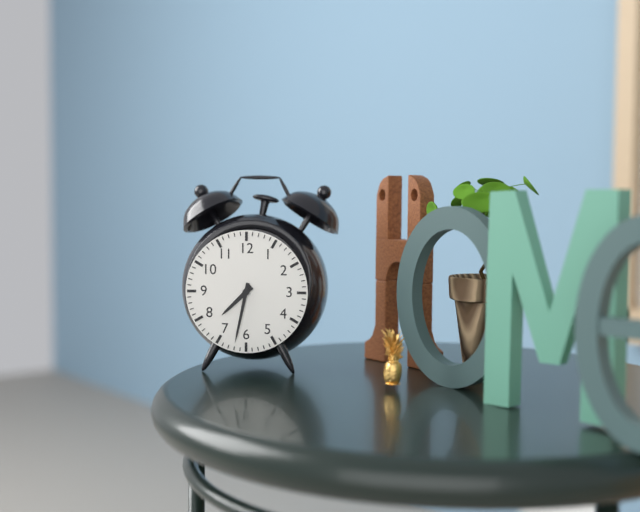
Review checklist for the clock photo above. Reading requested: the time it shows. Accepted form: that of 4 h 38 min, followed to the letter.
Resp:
7 h 32 min
